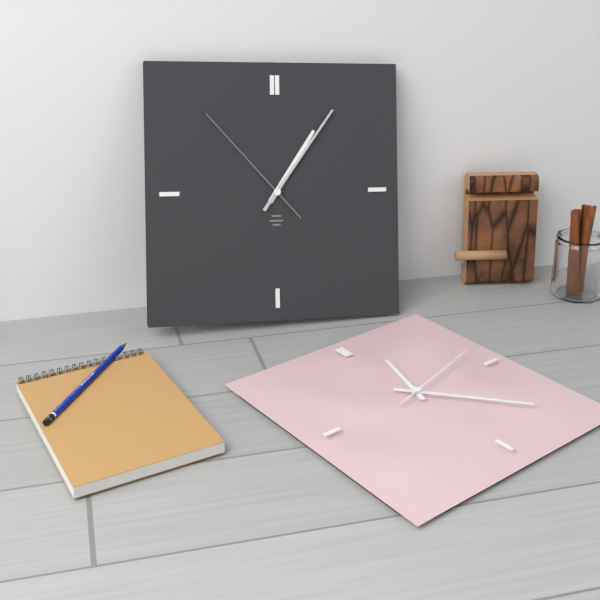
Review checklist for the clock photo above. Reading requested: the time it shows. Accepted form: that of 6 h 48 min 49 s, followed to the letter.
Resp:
1 h 06 min 53 s
